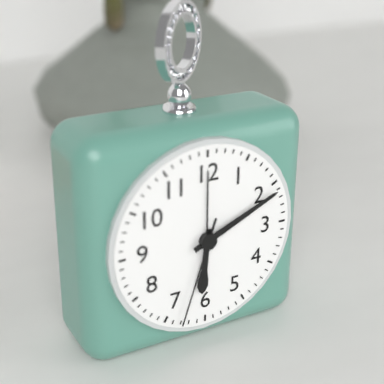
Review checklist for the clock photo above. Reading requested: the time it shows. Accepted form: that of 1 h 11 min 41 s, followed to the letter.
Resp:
6 h 11 min 33 s
